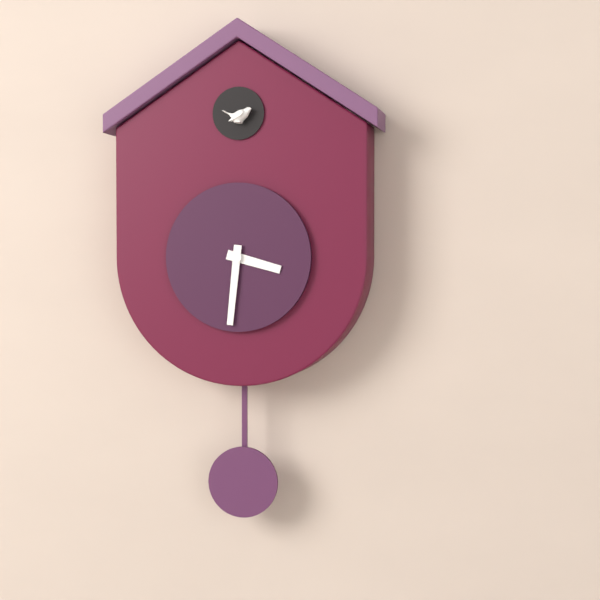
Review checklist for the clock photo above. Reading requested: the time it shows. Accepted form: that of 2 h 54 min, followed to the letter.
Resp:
3 h 31 min
